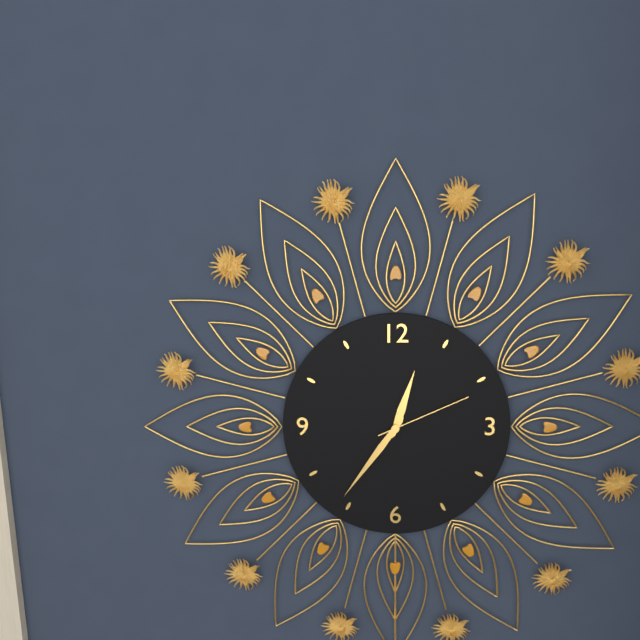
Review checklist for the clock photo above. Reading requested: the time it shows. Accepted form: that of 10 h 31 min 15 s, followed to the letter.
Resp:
12 h 36 min 11 s
